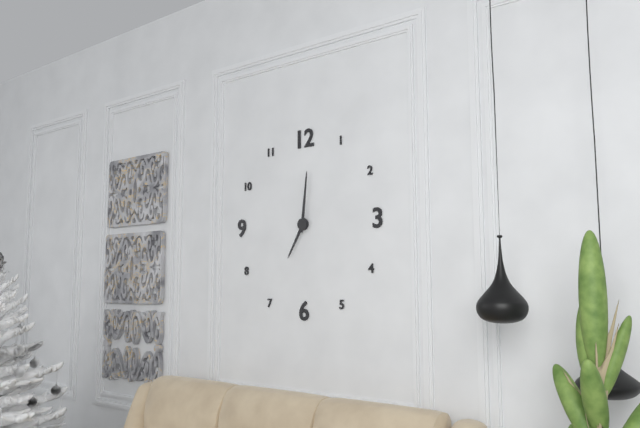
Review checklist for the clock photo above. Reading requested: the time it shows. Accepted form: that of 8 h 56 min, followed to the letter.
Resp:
7 h 01 min
